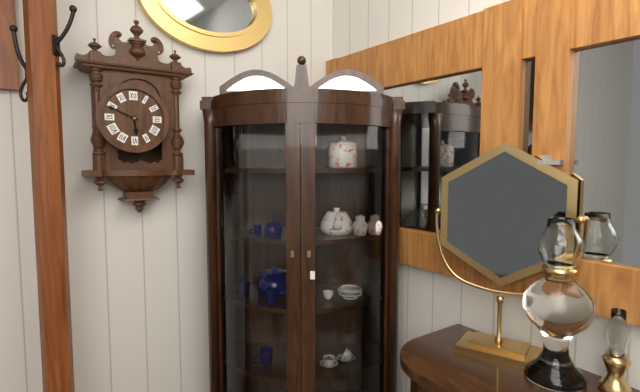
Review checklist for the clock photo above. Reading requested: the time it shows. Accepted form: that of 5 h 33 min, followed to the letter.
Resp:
5 h 49 min
